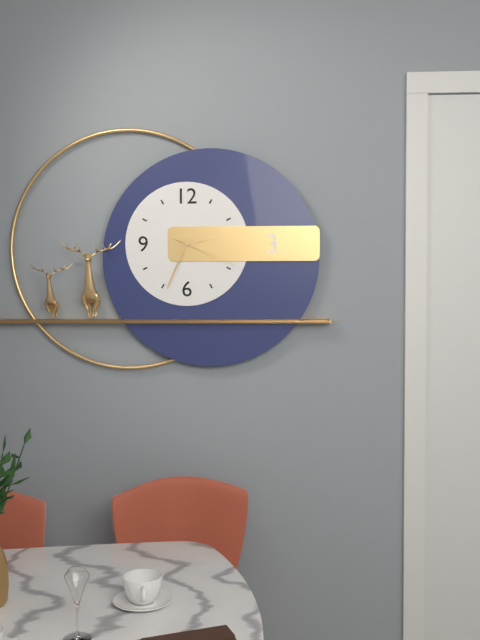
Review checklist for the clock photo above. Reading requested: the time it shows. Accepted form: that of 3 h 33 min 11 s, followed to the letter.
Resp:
2 h 34 min 19 s
